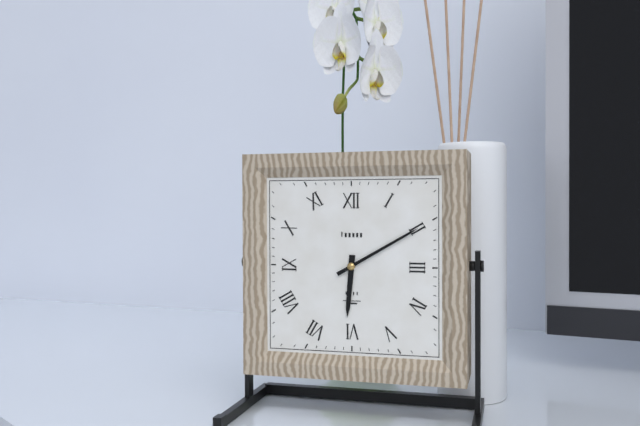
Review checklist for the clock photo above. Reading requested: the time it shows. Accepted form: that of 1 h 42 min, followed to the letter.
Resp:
6 h 10 min
